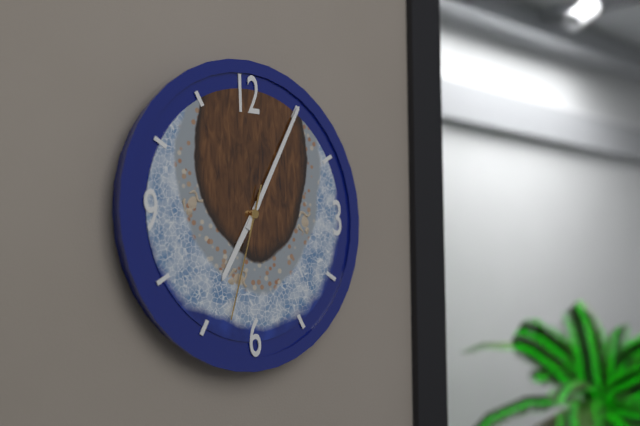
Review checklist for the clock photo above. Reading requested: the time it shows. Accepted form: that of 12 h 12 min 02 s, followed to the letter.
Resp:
7 h 05 min 33 s
